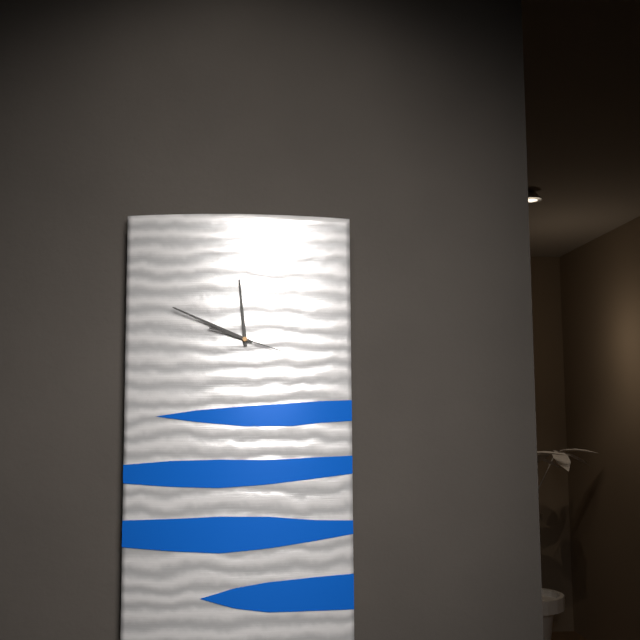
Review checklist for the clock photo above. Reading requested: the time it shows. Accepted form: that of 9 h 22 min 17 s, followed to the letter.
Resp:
11 h 49 min 18 s
